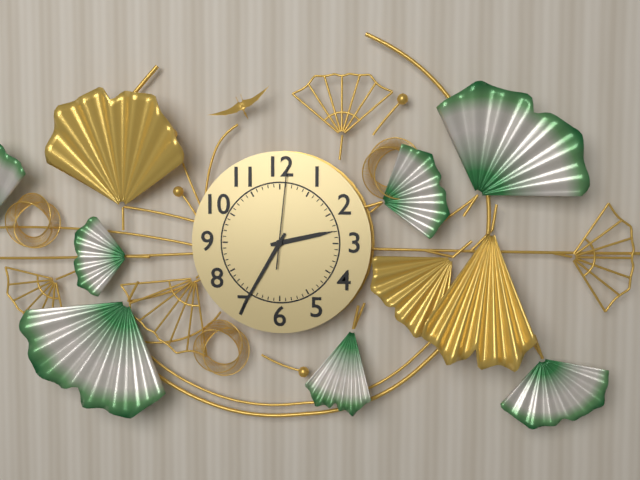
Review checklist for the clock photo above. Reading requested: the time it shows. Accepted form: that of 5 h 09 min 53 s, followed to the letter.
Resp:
2 h 35 min 01 s
